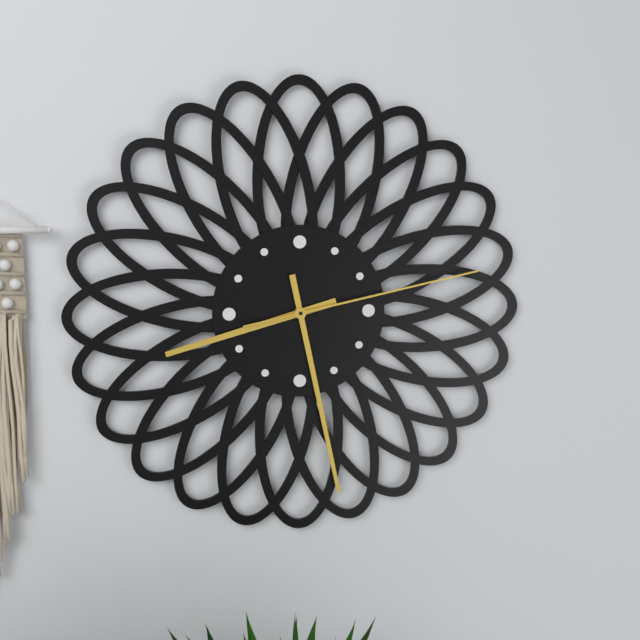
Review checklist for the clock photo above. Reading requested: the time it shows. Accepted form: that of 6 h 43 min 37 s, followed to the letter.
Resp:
8 h 28 min 13 s
